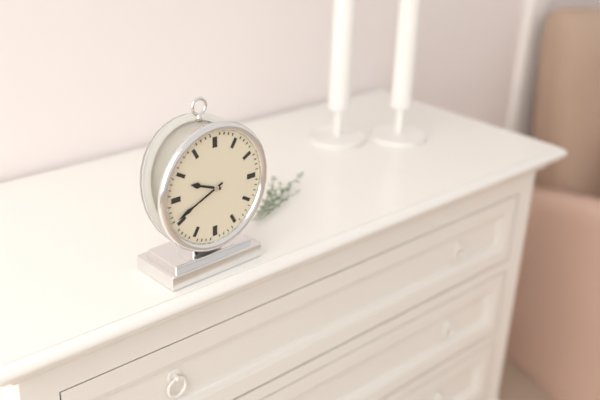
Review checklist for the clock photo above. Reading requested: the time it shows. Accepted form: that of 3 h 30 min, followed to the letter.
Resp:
9 h 41 min
